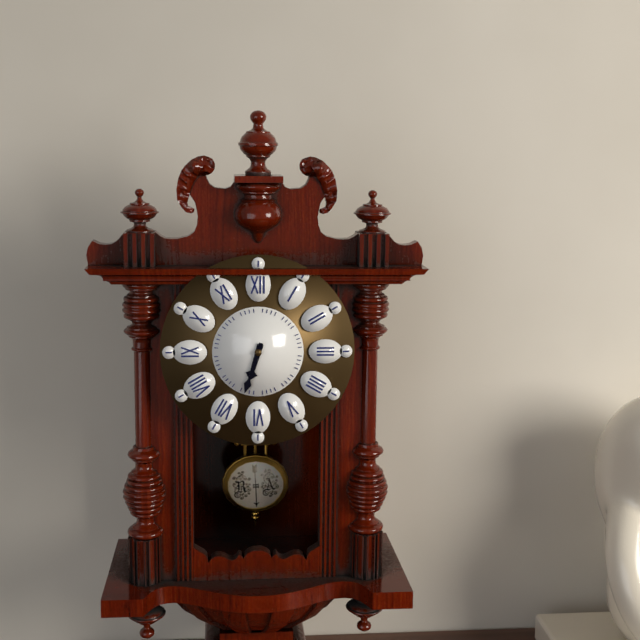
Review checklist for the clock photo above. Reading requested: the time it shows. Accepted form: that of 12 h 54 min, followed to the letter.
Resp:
6 h 33 min
